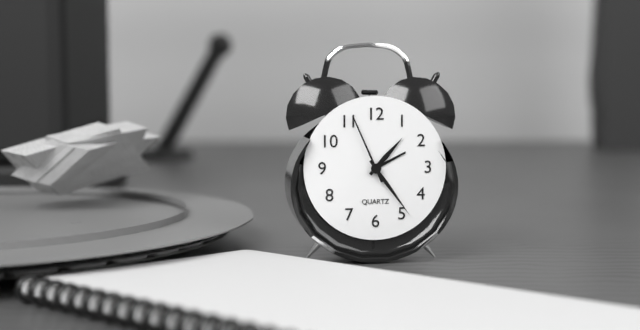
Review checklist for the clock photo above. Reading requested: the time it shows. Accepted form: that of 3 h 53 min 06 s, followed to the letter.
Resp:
1 h 24 min 56 s
